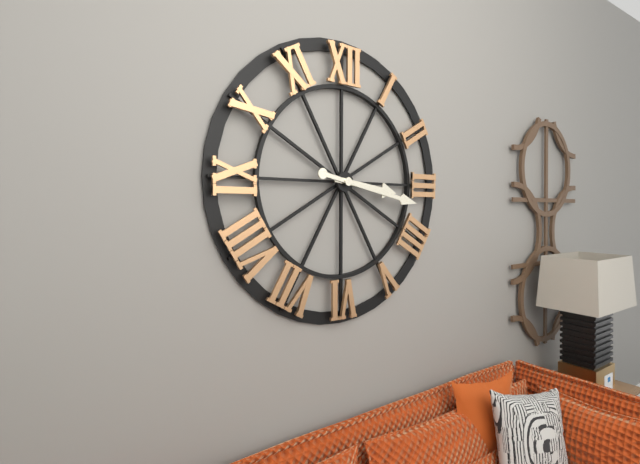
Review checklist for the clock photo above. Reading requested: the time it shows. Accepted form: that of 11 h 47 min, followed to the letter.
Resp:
3 h 17 min
